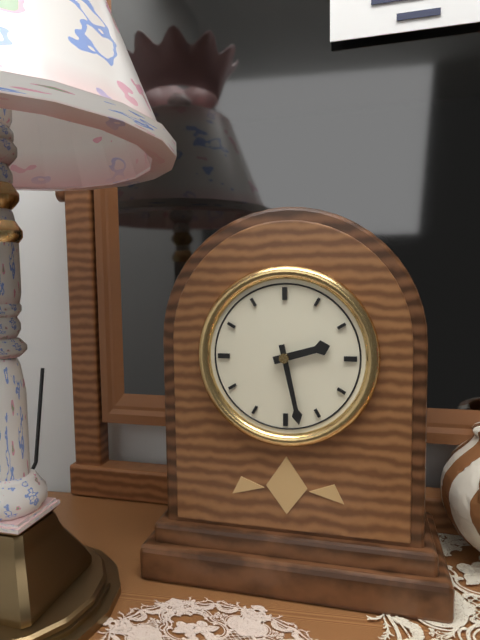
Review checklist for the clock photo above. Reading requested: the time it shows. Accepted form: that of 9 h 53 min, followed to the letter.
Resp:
2 h 28 min
